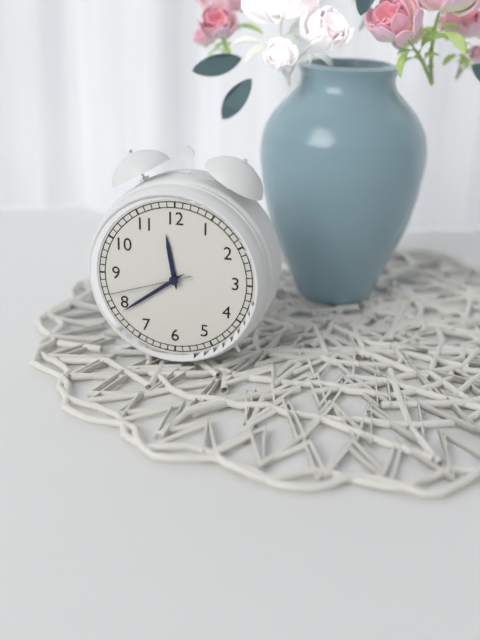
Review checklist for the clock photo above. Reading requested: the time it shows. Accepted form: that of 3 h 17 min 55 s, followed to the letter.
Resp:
11 h 39 min 42 s
